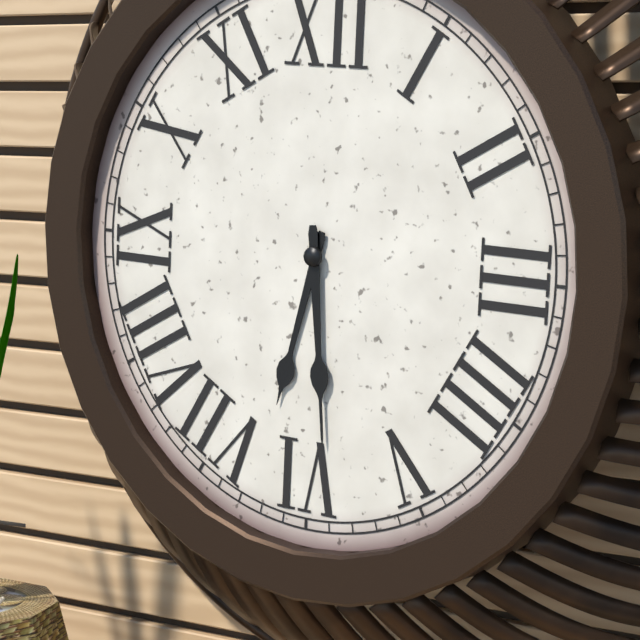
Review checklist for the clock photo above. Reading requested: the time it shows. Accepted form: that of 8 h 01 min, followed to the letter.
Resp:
6 h 29 min
